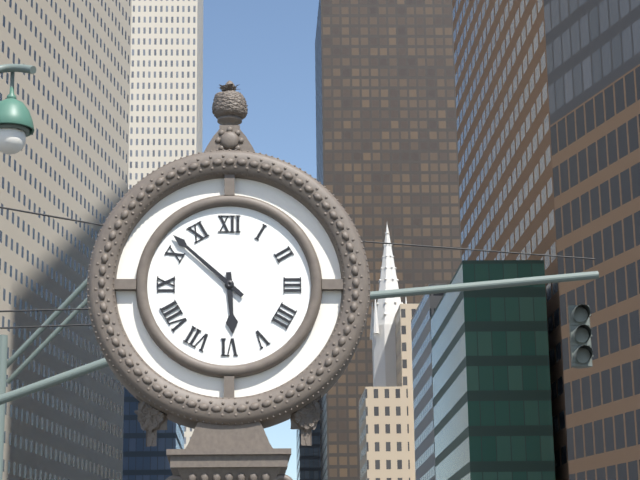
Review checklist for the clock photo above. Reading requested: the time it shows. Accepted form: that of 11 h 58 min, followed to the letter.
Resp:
5 h 52 min
